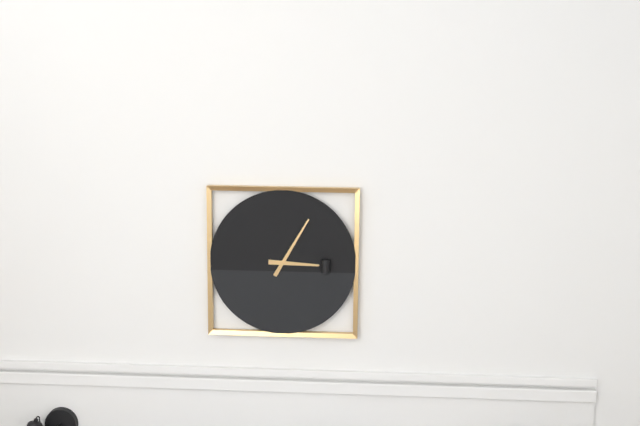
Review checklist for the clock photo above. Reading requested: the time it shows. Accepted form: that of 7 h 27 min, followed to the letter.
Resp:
3 h 05 min
